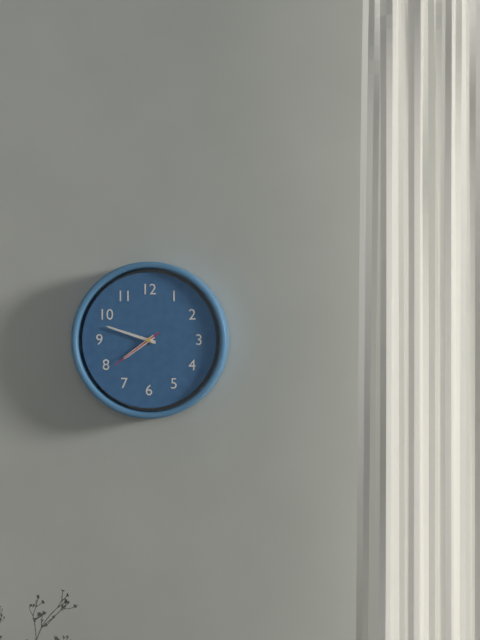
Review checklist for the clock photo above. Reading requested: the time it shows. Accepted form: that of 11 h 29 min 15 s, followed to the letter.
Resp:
7 h 48 min 39 s
